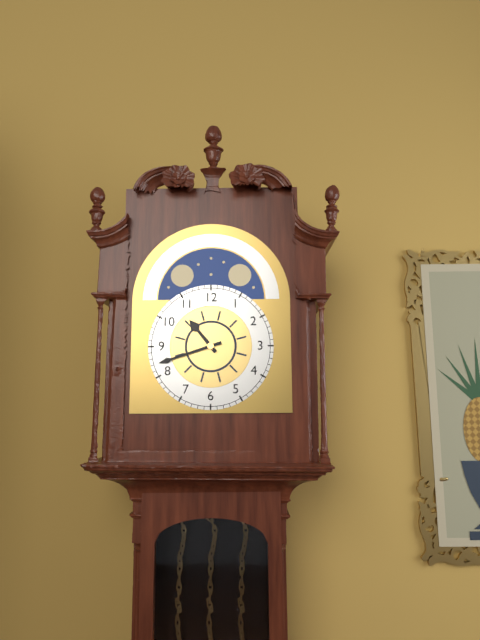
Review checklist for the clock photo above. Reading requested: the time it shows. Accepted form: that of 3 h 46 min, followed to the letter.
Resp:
10 h 42 min
